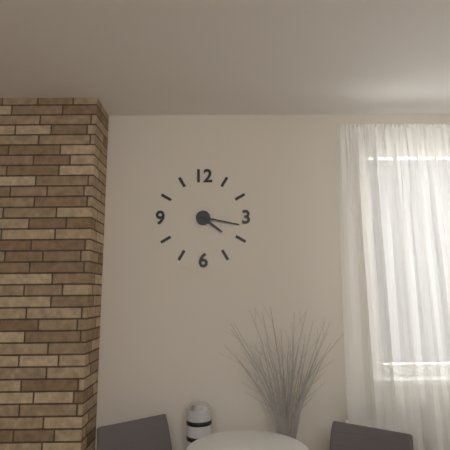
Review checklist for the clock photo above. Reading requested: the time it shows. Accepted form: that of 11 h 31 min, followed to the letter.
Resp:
4 h 17 min
